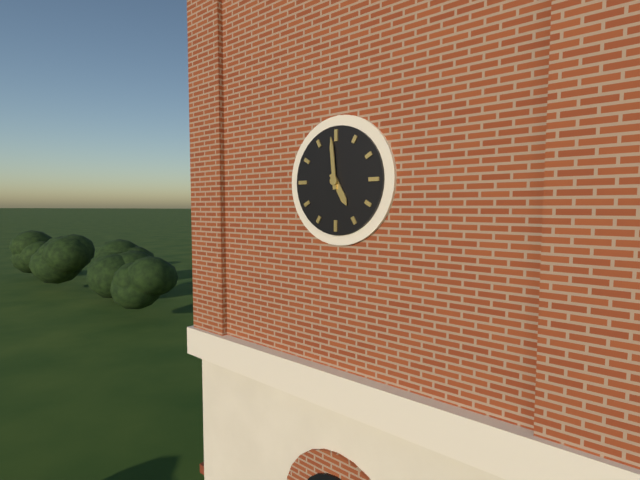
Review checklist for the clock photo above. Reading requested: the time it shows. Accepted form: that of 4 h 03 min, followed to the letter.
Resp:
4 h 59 min
